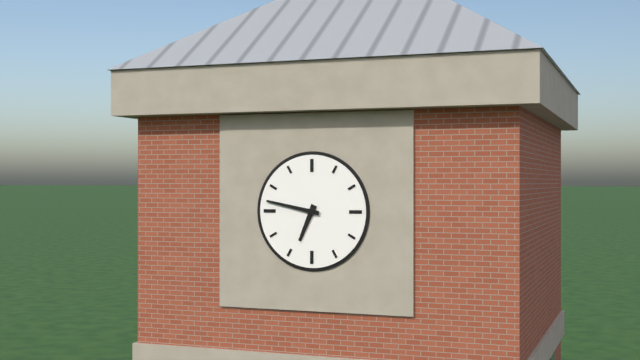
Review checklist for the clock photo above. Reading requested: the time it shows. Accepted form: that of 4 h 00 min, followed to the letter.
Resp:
6 h 47 min
